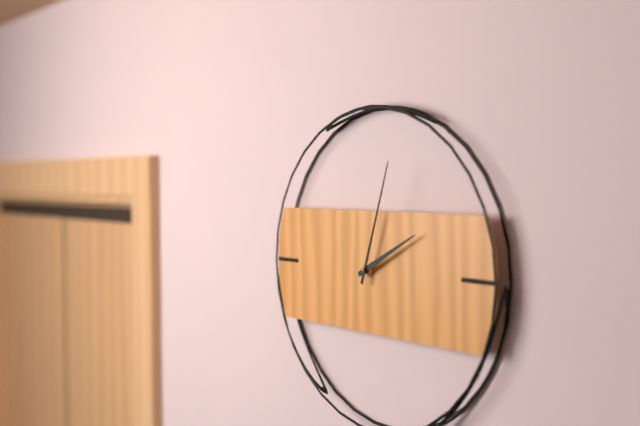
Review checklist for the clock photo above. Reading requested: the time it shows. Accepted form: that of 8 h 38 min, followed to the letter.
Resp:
2 h 03 min
